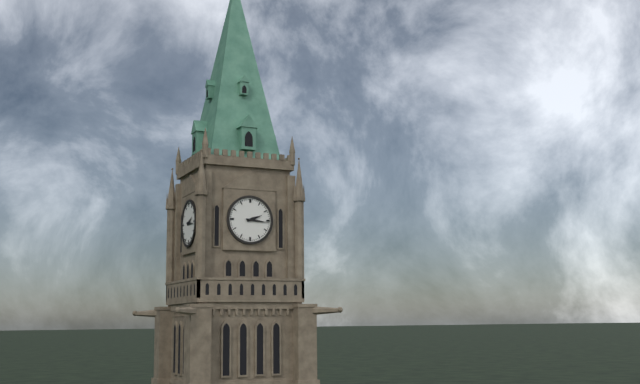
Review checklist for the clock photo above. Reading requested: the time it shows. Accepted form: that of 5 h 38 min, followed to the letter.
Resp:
2 h 16 min
